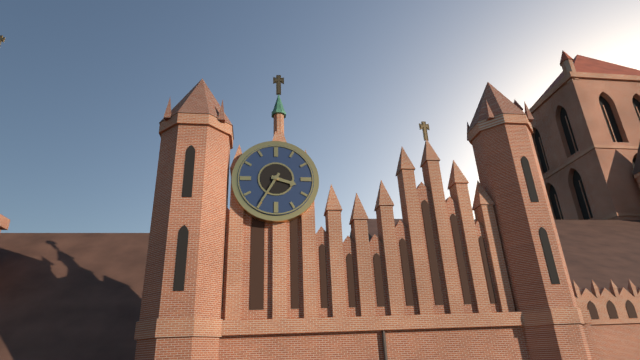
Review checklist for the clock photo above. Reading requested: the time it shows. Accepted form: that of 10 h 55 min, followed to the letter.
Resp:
3 h 35 min
